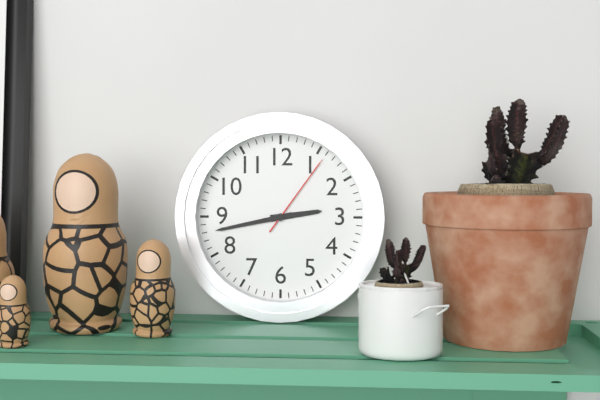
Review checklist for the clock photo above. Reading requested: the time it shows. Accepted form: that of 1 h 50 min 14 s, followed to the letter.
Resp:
2 h 43 min 06 s
